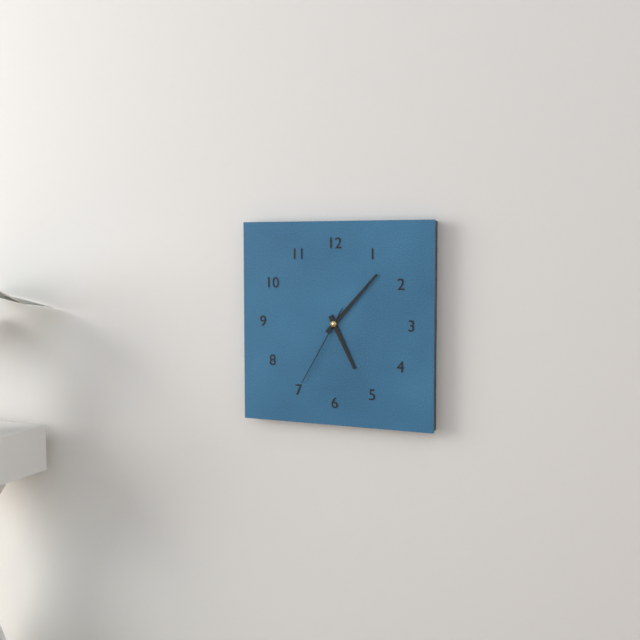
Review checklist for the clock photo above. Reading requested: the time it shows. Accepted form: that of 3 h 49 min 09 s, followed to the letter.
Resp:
5 h 07 min 35 s
